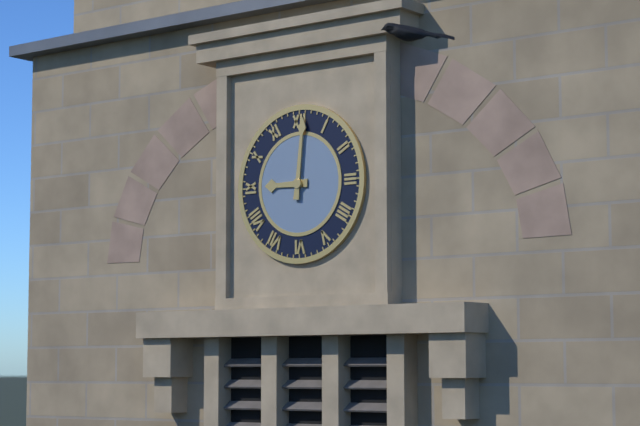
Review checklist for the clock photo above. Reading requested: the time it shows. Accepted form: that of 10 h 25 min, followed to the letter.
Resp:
9 h 01 min
